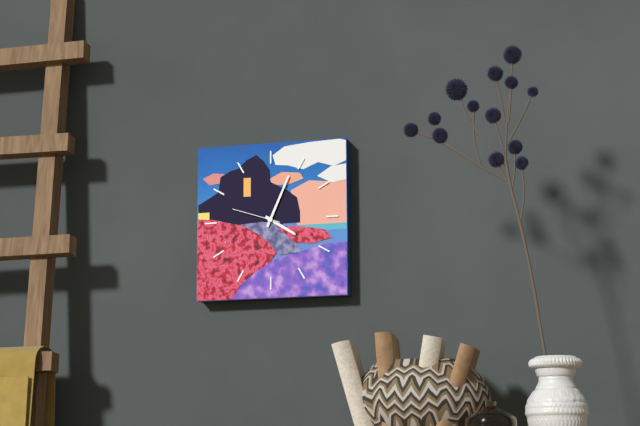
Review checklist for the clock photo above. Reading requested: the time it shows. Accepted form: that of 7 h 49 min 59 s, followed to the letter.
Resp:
4 h 04 min 48 s
